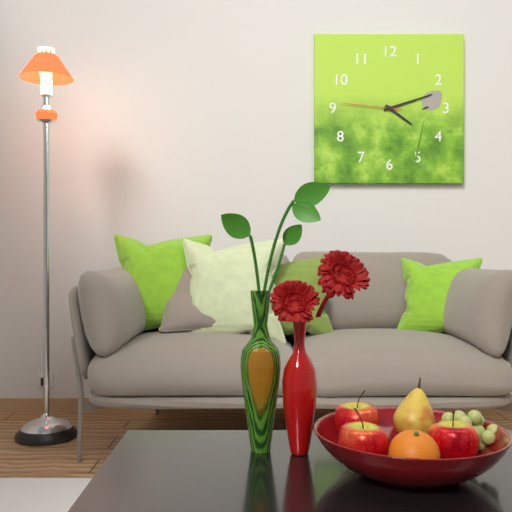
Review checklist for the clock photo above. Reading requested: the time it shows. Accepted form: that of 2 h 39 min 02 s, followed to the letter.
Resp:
4 h 12 min 46 s
